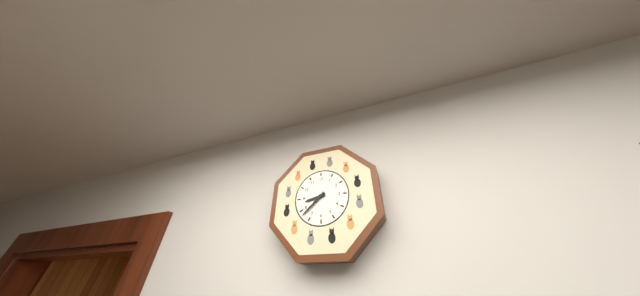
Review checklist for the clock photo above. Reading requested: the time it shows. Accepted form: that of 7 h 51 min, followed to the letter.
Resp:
8 h 38 min
